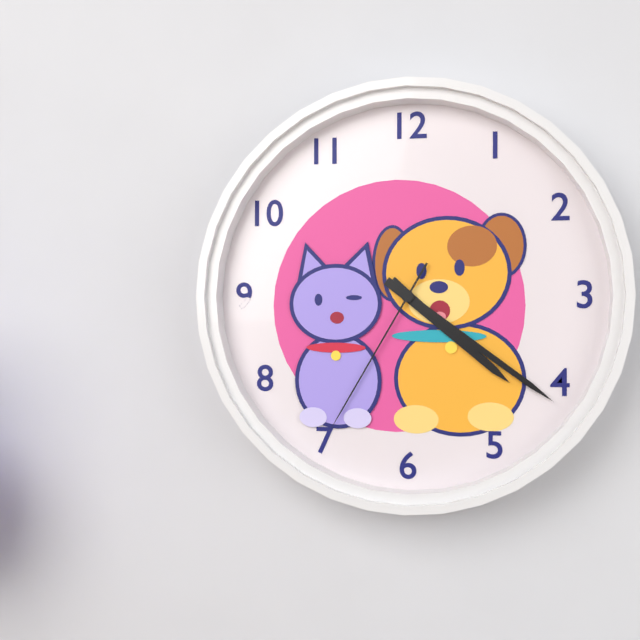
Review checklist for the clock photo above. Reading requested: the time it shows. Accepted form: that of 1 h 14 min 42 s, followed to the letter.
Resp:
4 h 21 min 35 s
